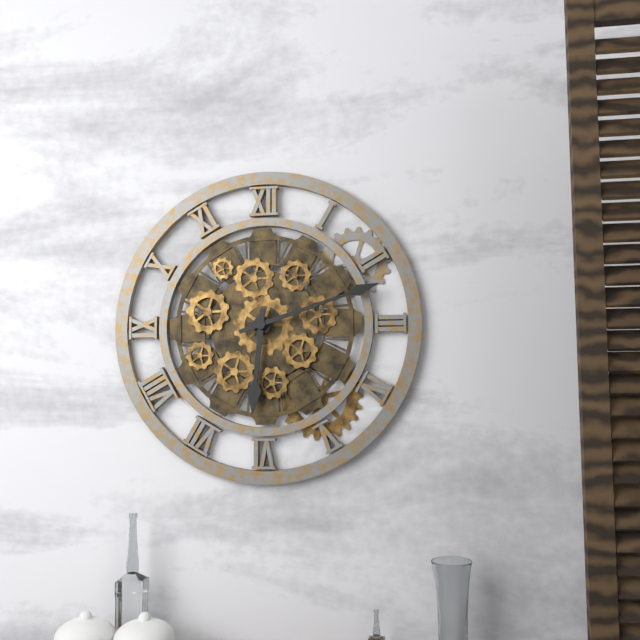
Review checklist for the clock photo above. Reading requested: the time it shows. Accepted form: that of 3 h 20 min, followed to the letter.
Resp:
6 h 12 min
